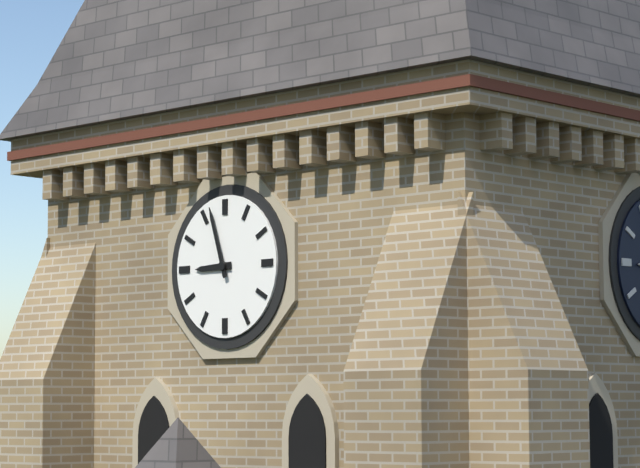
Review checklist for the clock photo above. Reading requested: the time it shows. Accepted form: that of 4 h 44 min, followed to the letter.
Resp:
8 h 57 min
